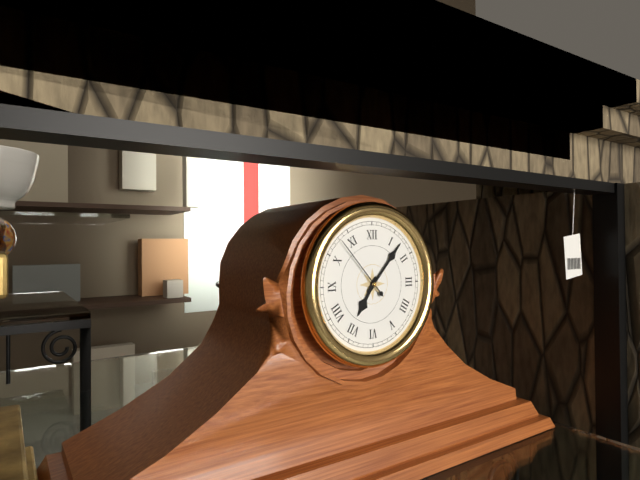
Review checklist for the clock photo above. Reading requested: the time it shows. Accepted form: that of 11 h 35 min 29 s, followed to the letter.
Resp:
7 h 07 min 53 s
